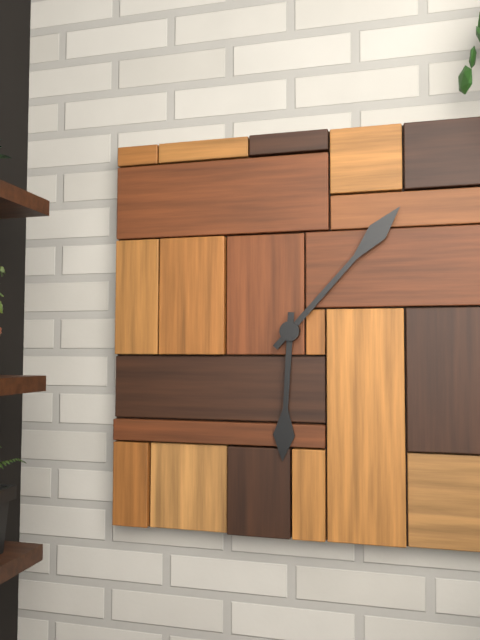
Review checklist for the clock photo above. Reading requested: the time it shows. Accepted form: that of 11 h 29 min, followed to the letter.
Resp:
6 h 07 min
